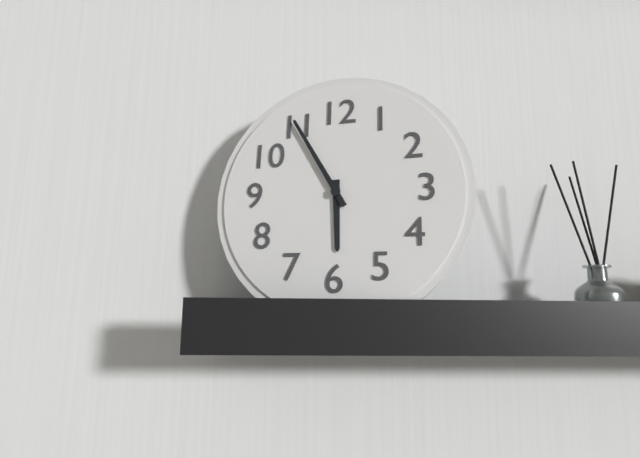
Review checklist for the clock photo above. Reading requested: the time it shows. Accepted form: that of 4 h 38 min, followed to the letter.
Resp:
5 h 55 min
